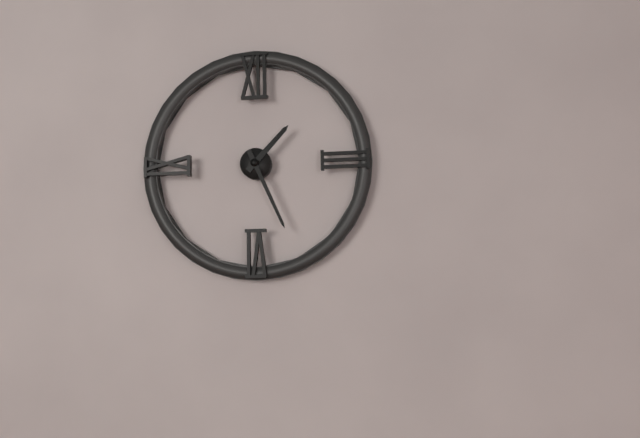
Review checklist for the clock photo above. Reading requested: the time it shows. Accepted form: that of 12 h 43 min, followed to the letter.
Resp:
1 h 26 min
